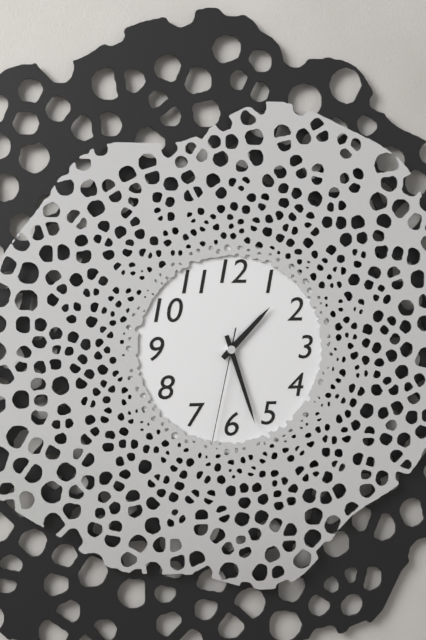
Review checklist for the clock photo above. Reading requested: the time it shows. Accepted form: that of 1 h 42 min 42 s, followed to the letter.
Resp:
1 h 27 min 32 s
